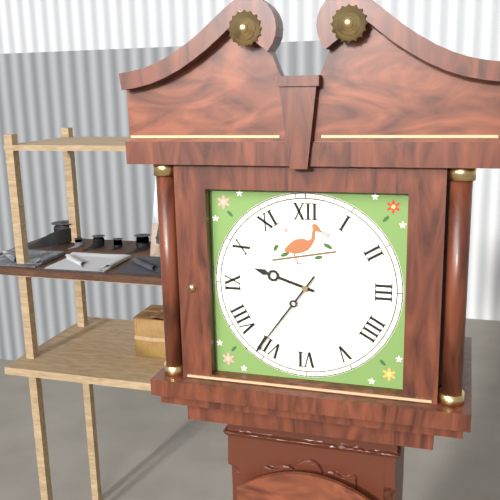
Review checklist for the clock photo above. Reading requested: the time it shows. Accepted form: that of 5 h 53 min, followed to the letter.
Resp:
9 h 36 min
